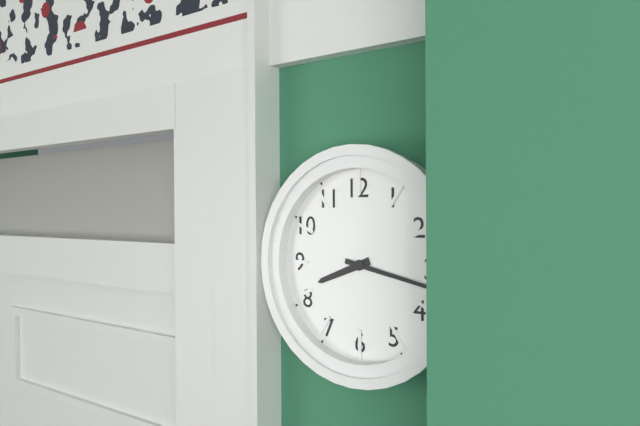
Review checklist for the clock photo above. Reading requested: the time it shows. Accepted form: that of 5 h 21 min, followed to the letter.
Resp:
8 h 17 min
